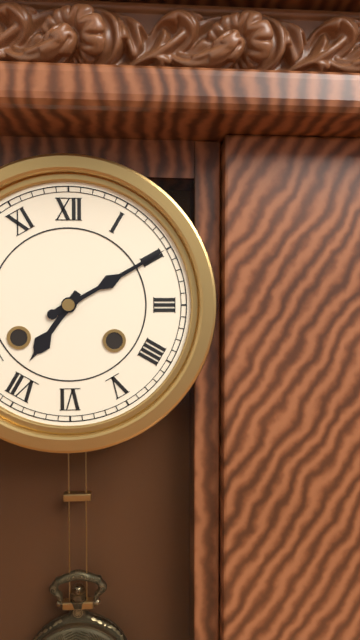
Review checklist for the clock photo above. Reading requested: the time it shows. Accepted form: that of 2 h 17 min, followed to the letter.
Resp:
7 h 10 min
